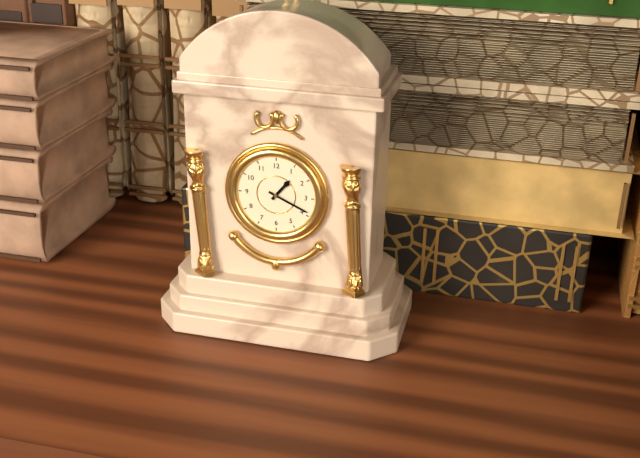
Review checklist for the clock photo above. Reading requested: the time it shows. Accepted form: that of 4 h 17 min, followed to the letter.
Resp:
1 h 19 min
